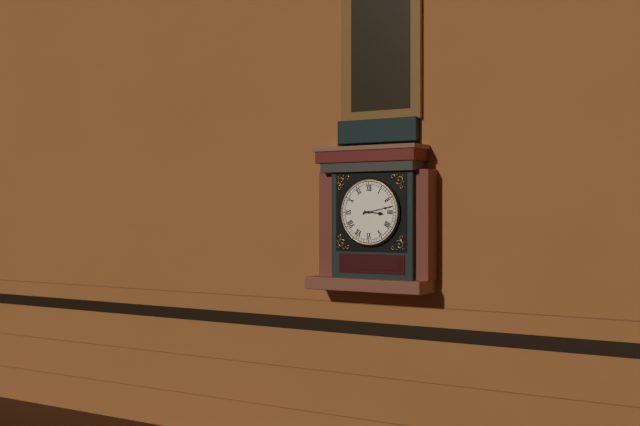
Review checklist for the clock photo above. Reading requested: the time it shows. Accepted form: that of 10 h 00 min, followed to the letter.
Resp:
3 h 13 min
